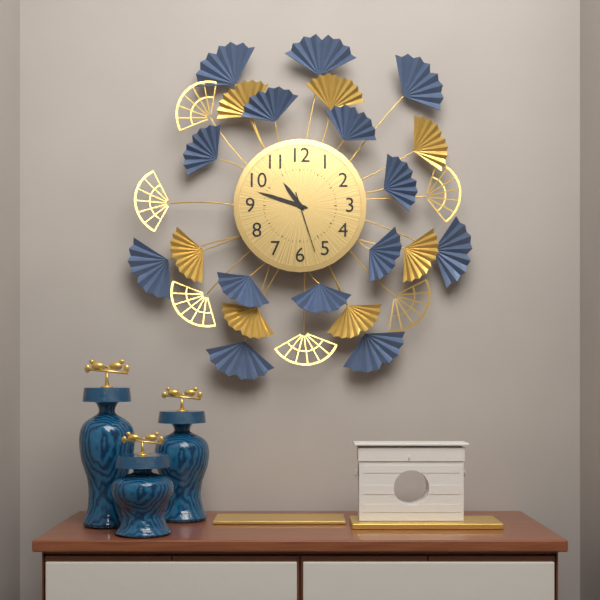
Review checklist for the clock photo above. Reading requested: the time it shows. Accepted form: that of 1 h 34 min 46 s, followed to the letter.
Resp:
10 h 48 min 27 s
